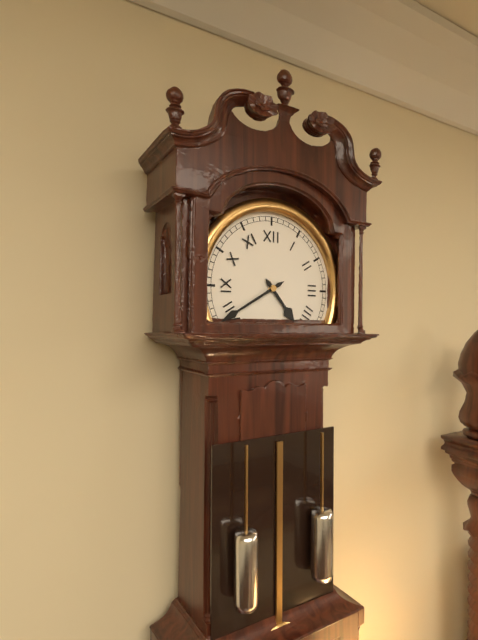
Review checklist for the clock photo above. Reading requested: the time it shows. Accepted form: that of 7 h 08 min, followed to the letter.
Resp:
4 h 40 min
